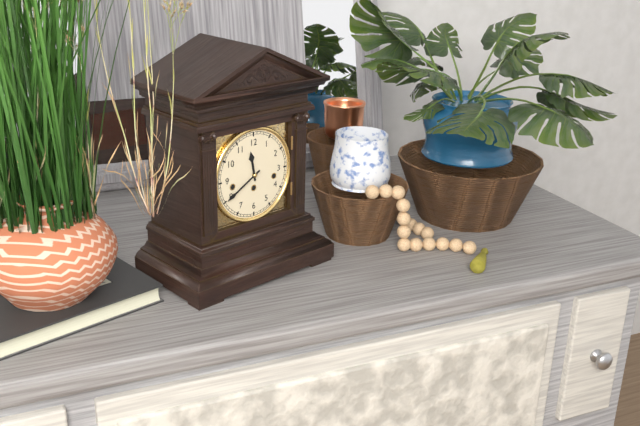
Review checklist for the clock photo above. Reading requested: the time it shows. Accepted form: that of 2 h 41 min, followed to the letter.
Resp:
11 h 40 min
